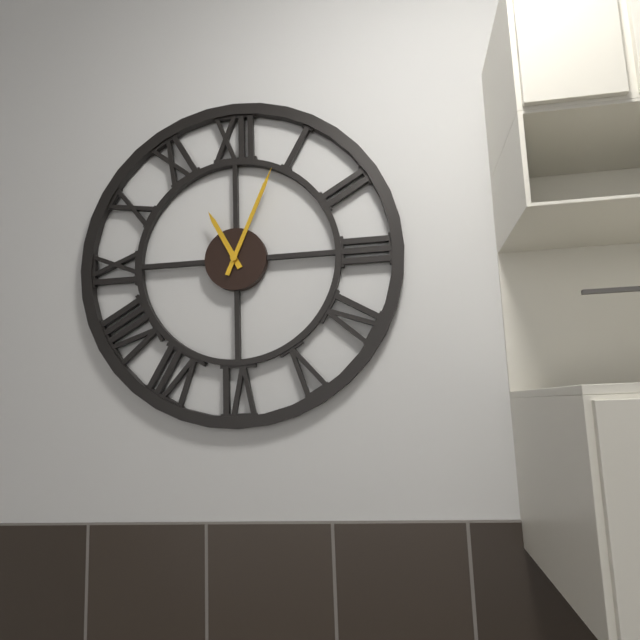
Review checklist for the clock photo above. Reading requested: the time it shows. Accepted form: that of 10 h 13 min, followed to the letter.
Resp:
11 h 04 min
